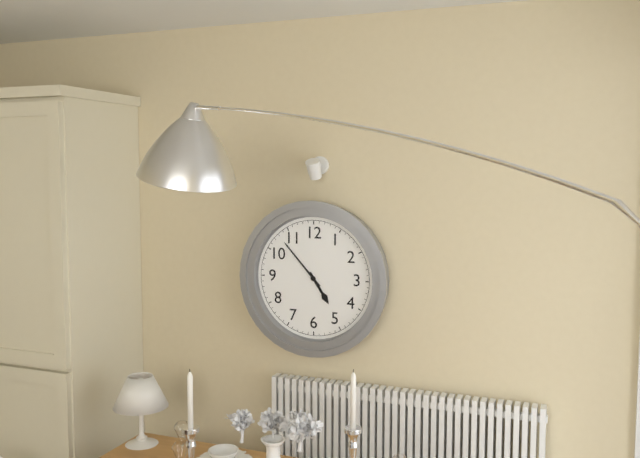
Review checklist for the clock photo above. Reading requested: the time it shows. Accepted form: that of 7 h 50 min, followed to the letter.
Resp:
4 h 53 min
